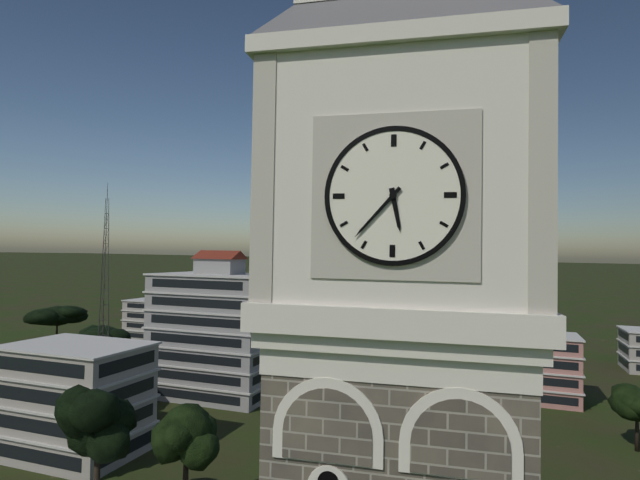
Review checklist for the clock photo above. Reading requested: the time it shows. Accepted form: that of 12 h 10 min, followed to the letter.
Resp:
5 h 37 min
